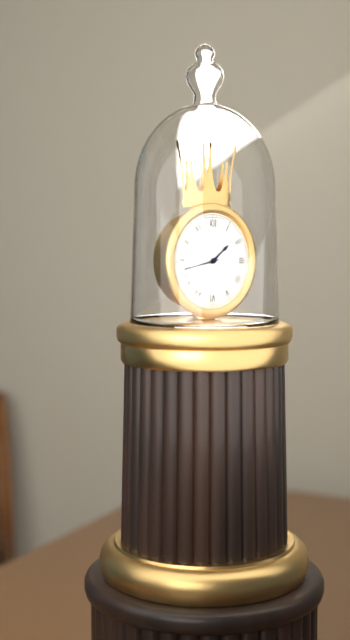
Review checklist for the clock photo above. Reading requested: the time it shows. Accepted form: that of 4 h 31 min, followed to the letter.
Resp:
1 h 43 min
